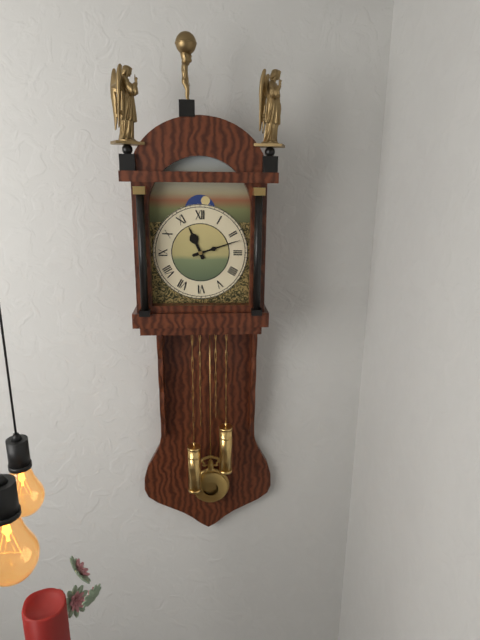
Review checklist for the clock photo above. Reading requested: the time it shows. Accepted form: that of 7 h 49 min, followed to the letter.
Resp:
11 h 12 min
